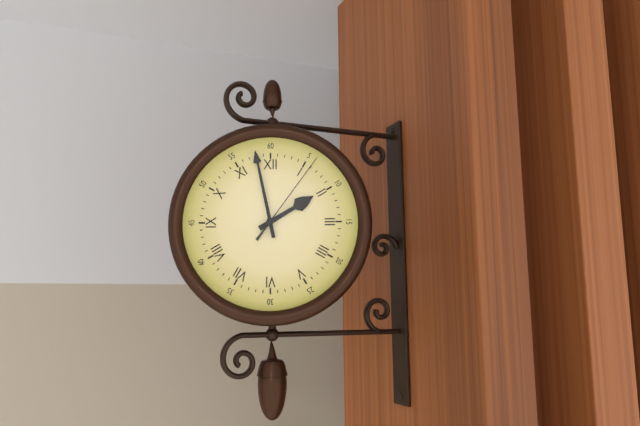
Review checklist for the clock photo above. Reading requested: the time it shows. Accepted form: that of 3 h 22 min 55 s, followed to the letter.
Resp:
1 h 58 min 06 s
